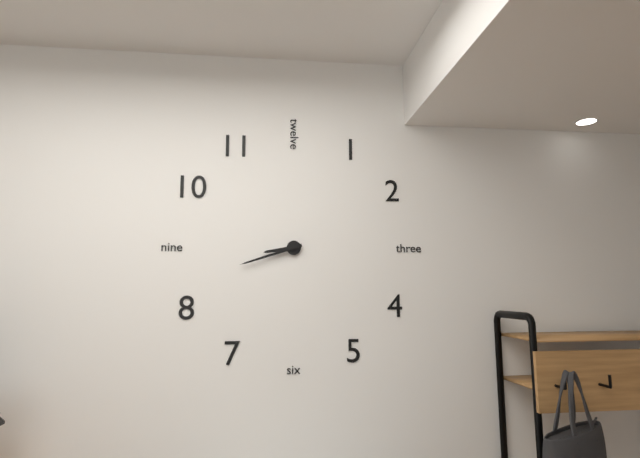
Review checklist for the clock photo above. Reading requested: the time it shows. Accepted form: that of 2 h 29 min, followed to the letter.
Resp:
8 h 42 min
